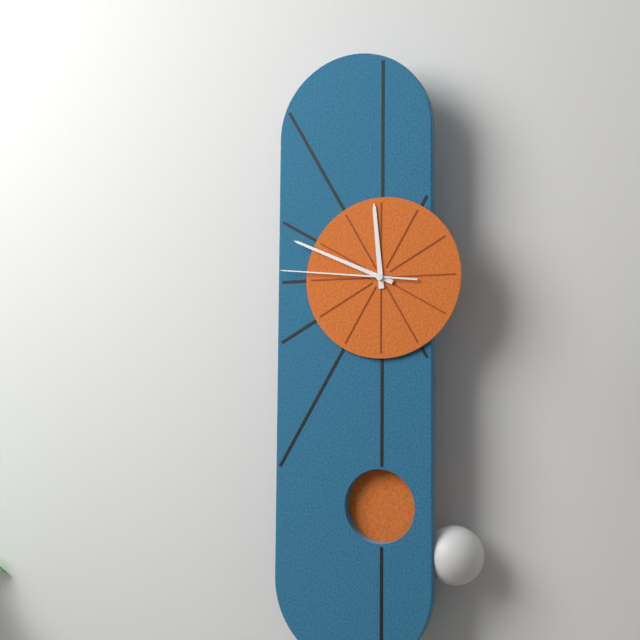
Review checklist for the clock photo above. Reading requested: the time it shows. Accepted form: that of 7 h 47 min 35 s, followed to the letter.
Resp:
11 h 49 min 46 s
